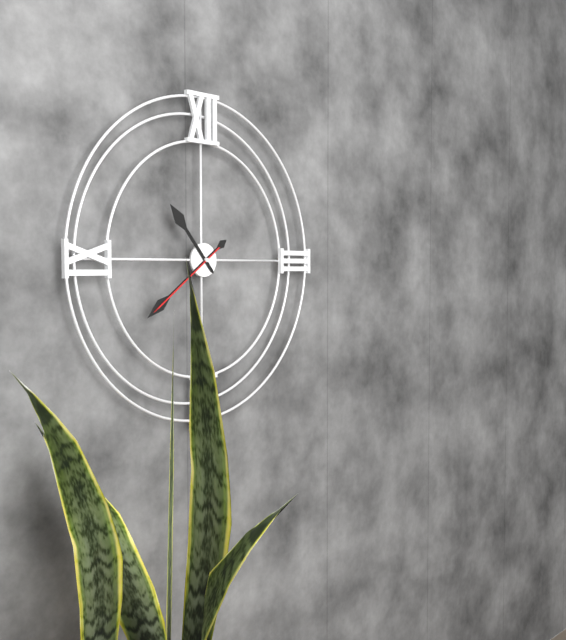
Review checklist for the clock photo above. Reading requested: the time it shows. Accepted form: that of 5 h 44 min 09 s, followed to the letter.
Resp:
10 h 39 min 39 s
